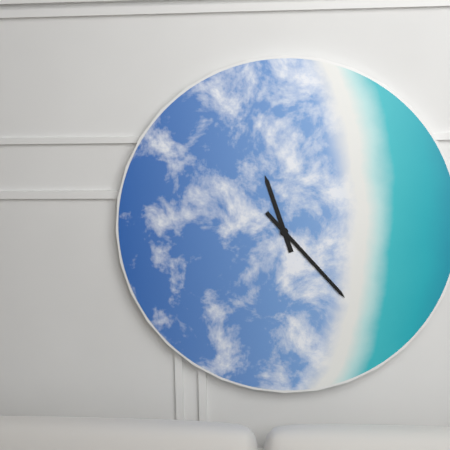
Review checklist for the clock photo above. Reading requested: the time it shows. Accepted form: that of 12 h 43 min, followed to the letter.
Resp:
11 h 23 min
